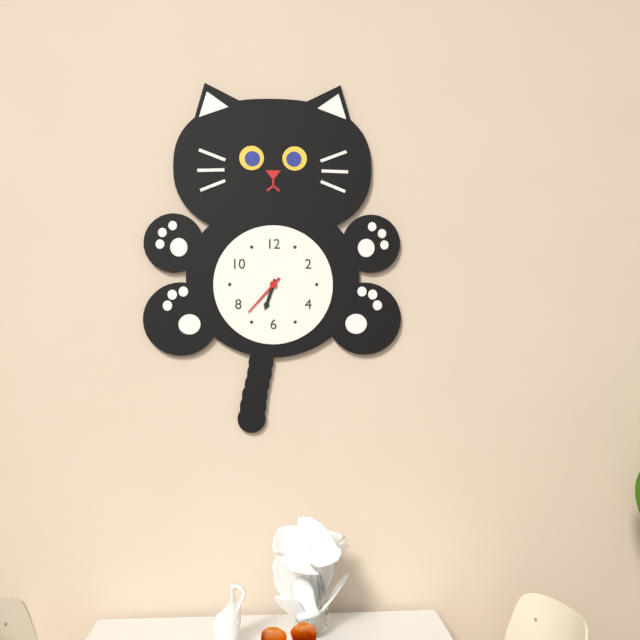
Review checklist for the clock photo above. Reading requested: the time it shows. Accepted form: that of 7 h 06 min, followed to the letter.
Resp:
6 h 37 min
